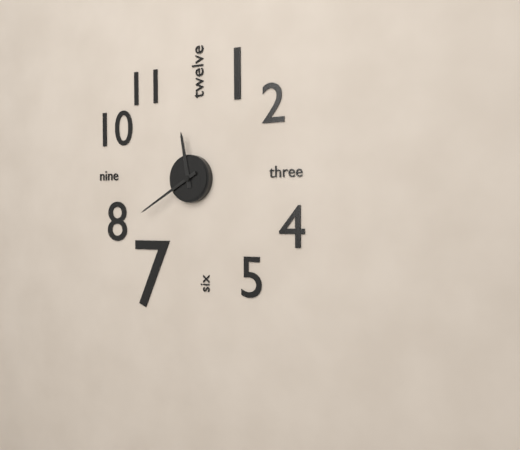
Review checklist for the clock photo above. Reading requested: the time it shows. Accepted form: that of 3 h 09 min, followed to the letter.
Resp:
11 h 40 min
